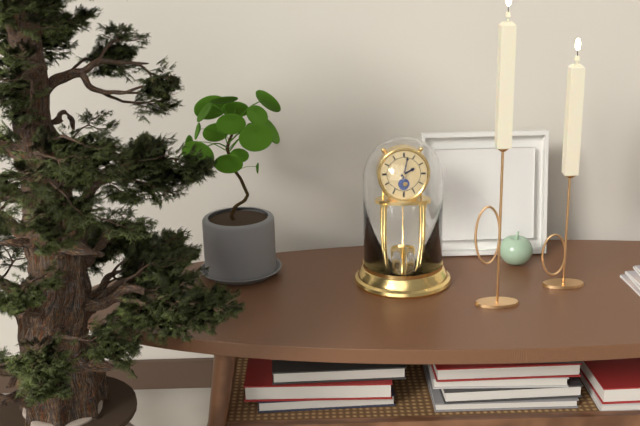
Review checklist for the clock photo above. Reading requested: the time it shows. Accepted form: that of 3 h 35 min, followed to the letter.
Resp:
2 h 02 min
